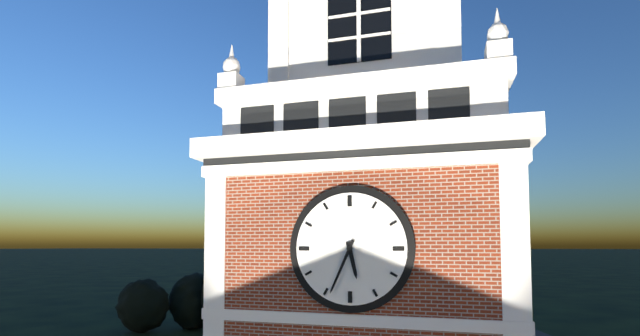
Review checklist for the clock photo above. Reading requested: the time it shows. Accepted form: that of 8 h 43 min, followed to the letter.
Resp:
5 h 34 min
